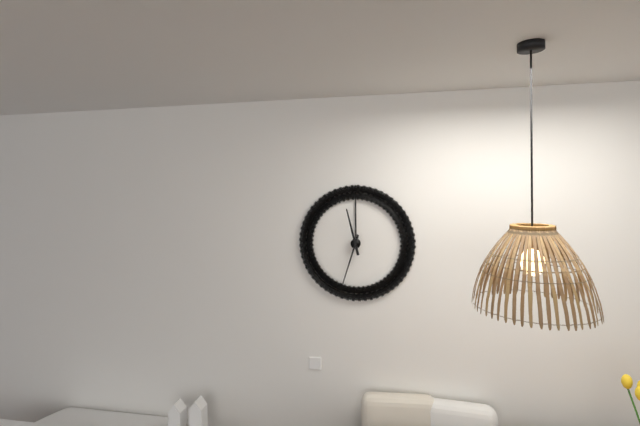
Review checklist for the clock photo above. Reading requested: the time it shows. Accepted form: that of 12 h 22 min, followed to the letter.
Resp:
11 h 33 min
